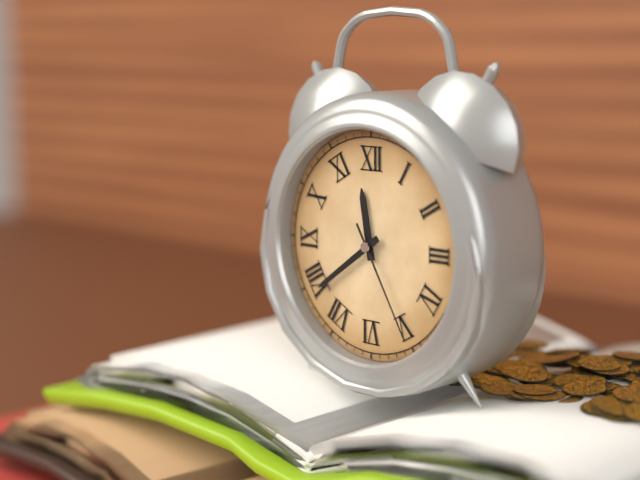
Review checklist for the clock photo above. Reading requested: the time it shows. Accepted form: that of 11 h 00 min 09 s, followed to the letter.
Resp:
11 h 39 min 25 s
